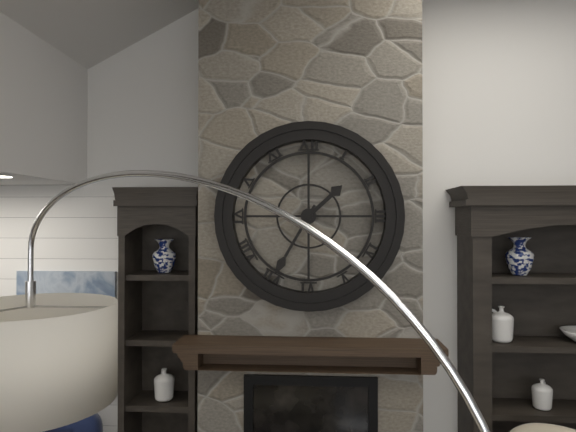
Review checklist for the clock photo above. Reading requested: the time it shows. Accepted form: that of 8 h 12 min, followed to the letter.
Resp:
1 h 35 min
